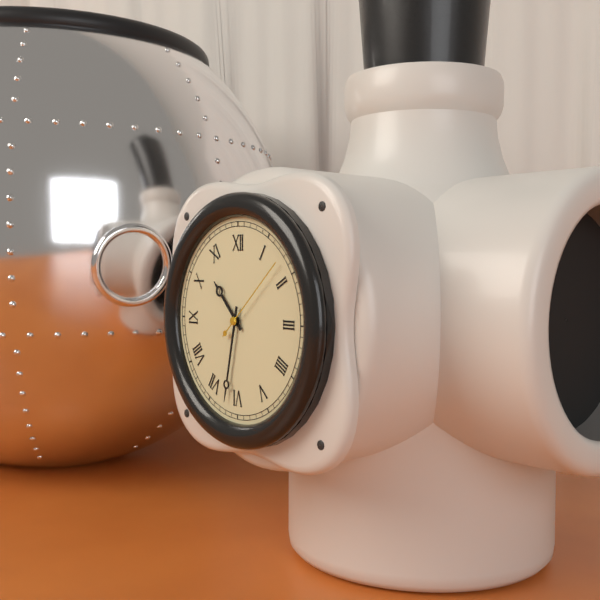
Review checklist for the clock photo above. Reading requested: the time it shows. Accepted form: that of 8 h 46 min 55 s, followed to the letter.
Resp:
10 h 32 min 08 s
